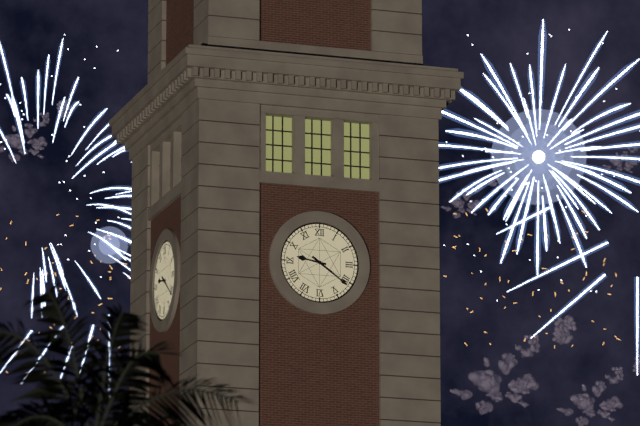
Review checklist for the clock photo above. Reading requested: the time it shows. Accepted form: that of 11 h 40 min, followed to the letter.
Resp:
9 h 21 min
